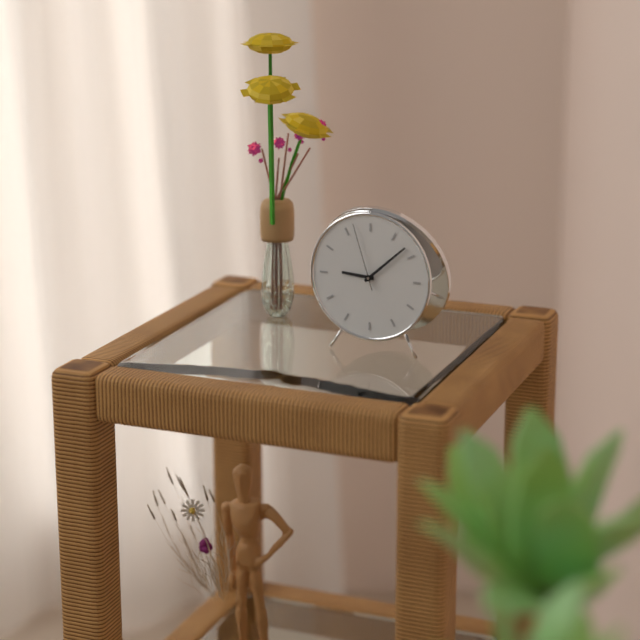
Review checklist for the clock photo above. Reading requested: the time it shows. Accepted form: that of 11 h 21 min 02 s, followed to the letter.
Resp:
9 h 08 min 57 s
